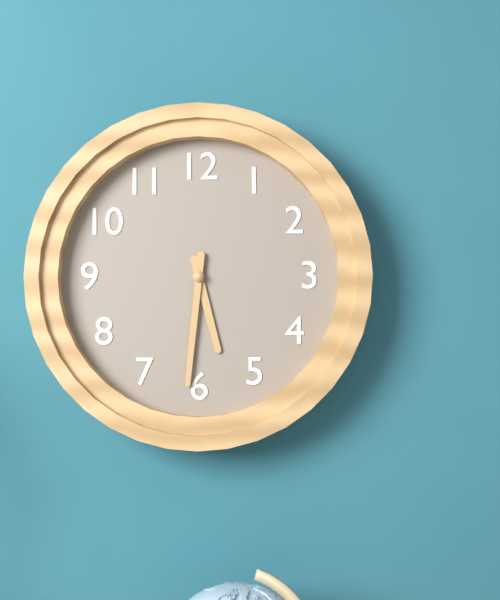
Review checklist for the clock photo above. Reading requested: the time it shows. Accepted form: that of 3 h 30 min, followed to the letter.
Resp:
5 h 31 min
